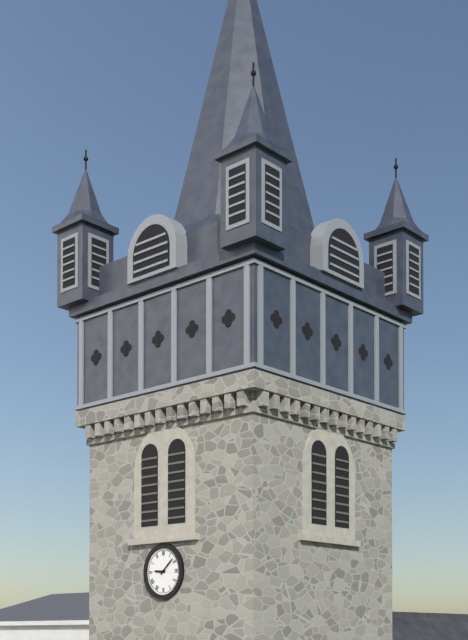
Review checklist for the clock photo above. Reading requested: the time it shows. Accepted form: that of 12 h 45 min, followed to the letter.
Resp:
9 h 08 min
